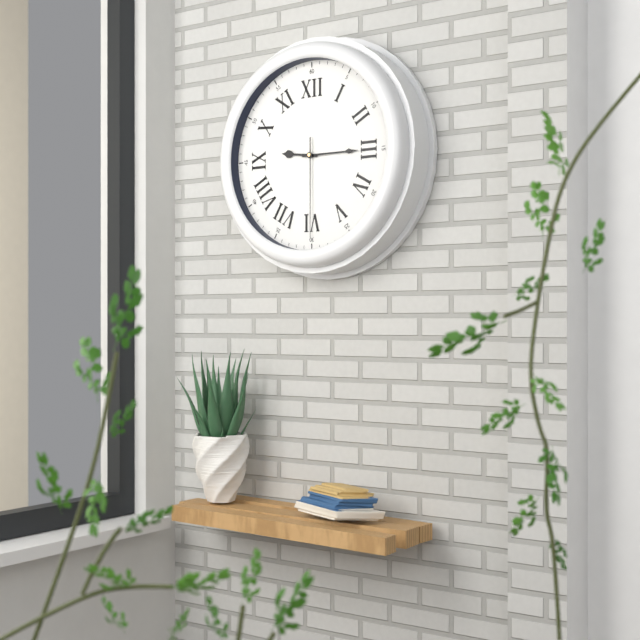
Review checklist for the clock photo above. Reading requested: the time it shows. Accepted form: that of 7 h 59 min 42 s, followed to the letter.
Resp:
9 h 15 min 30 s
